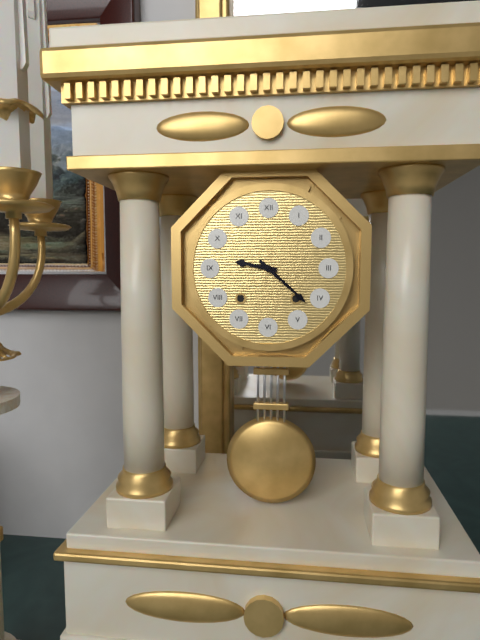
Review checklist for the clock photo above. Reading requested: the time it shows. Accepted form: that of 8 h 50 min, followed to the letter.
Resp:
9 h 22 min
